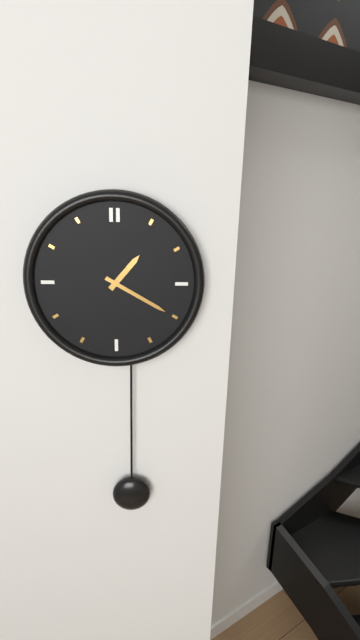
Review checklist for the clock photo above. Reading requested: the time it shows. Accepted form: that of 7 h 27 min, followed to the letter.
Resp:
1 h 20 min
